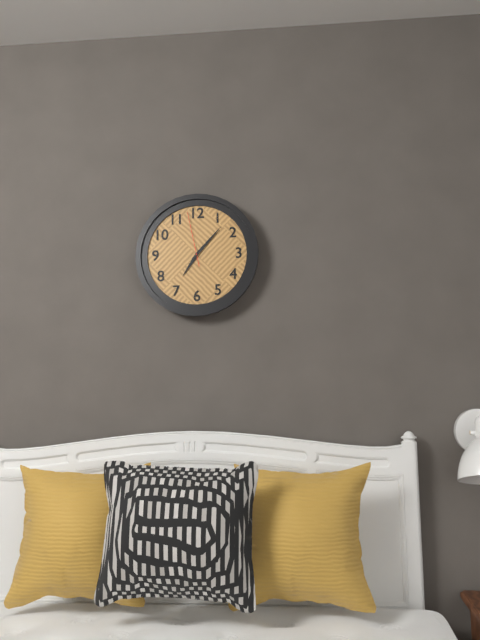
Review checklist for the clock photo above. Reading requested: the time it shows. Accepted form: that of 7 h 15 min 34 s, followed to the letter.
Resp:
7 h 07 min 58 s
